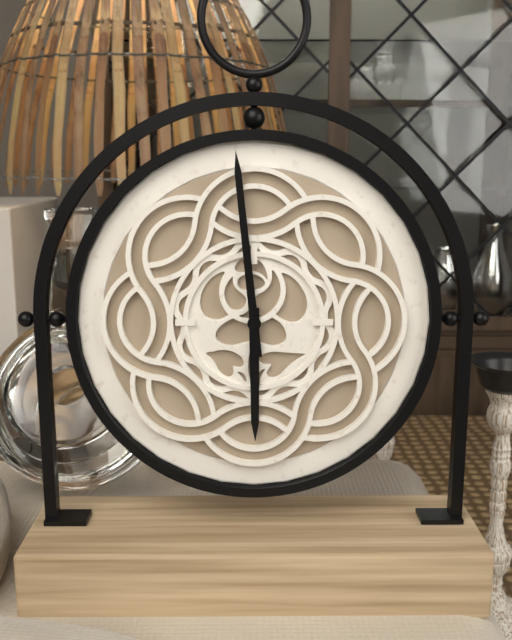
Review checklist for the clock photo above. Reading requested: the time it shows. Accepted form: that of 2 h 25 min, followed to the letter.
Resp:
5 h 59 min
